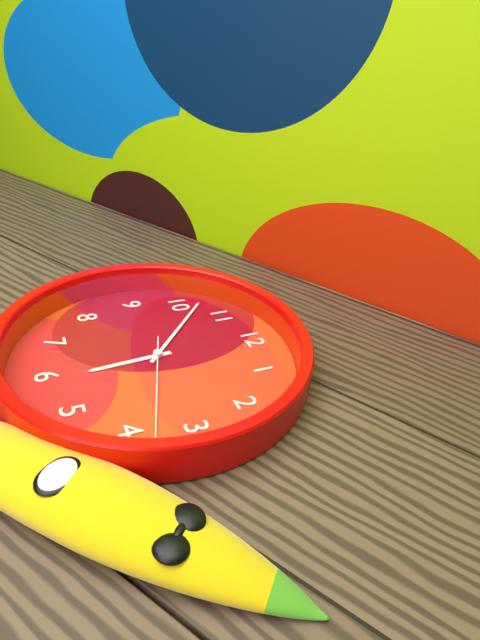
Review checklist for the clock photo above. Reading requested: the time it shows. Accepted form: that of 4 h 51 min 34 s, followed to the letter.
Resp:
5 h 52 min 18 s
